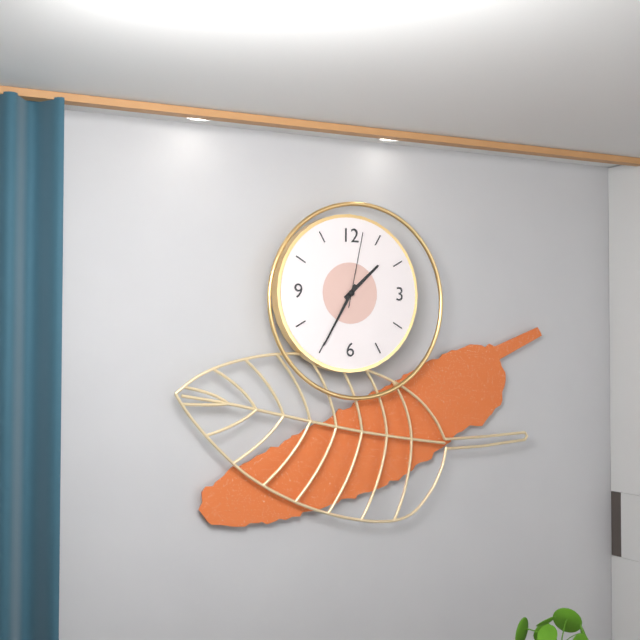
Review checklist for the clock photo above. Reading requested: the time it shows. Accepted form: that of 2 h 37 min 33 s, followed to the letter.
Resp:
1 h 35 min 02 s
